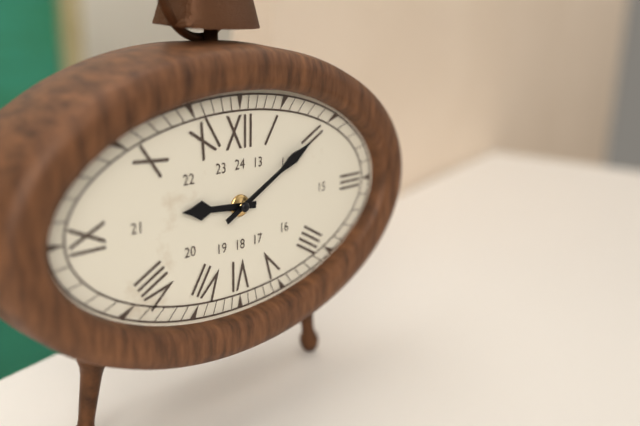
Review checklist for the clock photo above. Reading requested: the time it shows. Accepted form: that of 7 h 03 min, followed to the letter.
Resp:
9 h 10 min
